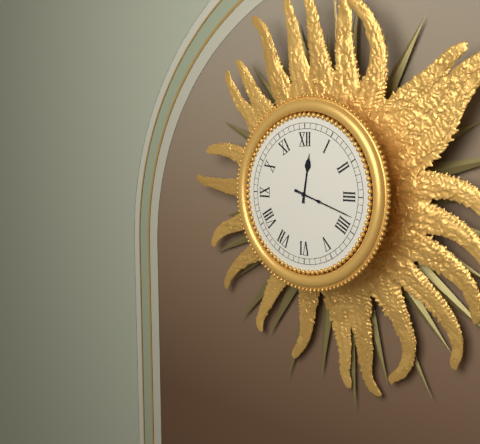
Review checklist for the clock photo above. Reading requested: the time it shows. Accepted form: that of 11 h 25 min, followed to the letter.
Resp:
12 h 18 min
